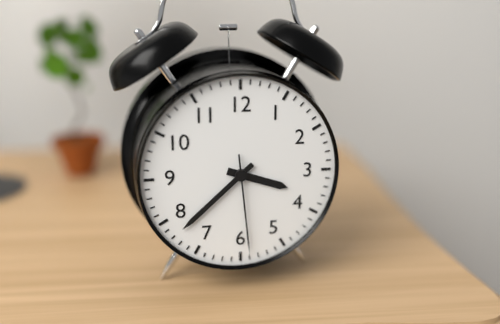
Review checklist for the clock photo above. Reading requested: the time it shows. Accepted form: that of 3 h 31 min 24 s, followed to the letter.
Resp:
3 h 38 min 29 s
